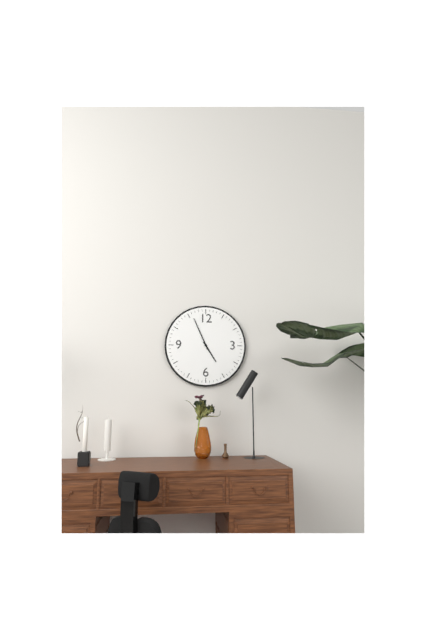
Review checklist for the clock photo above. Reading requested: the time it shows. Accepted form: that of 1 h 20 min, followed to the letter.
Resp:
4 h 56 min
